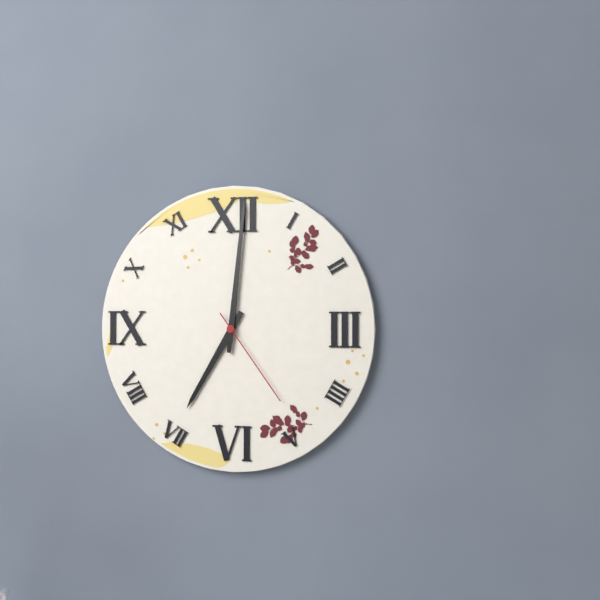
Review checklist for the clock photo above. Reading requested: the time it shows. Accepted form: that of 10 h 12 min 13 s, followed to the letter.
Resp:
7 h 01 min 24 s
